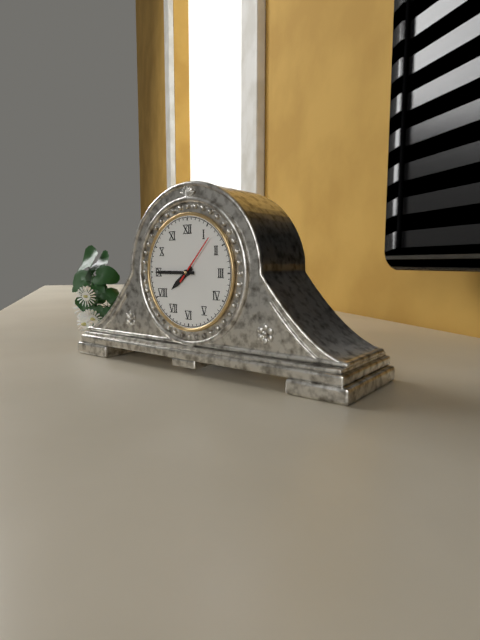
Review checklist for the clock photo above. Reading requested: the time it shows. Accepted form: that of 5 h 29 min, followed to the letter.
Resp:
7 h 45 min
